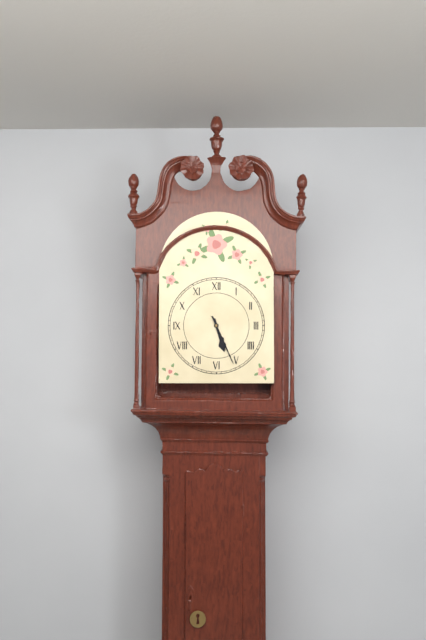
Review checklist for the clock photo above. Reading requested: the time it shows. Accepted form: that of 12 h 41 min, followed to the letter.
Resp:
5 h 26 min
